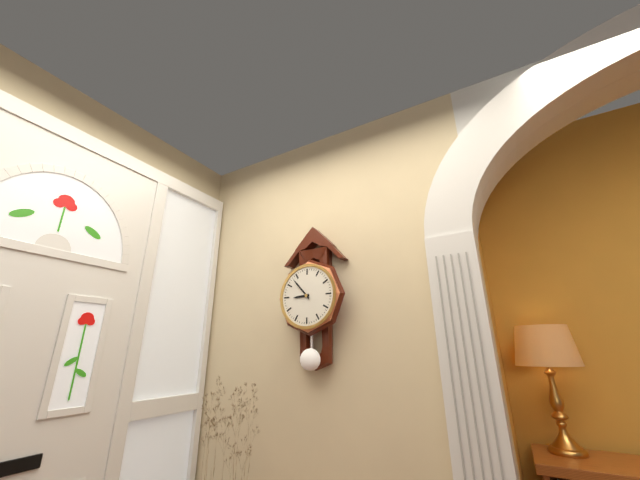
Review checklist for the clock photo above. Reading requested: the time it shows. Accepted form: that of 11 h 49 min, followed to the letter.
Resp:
8 h 53 min
